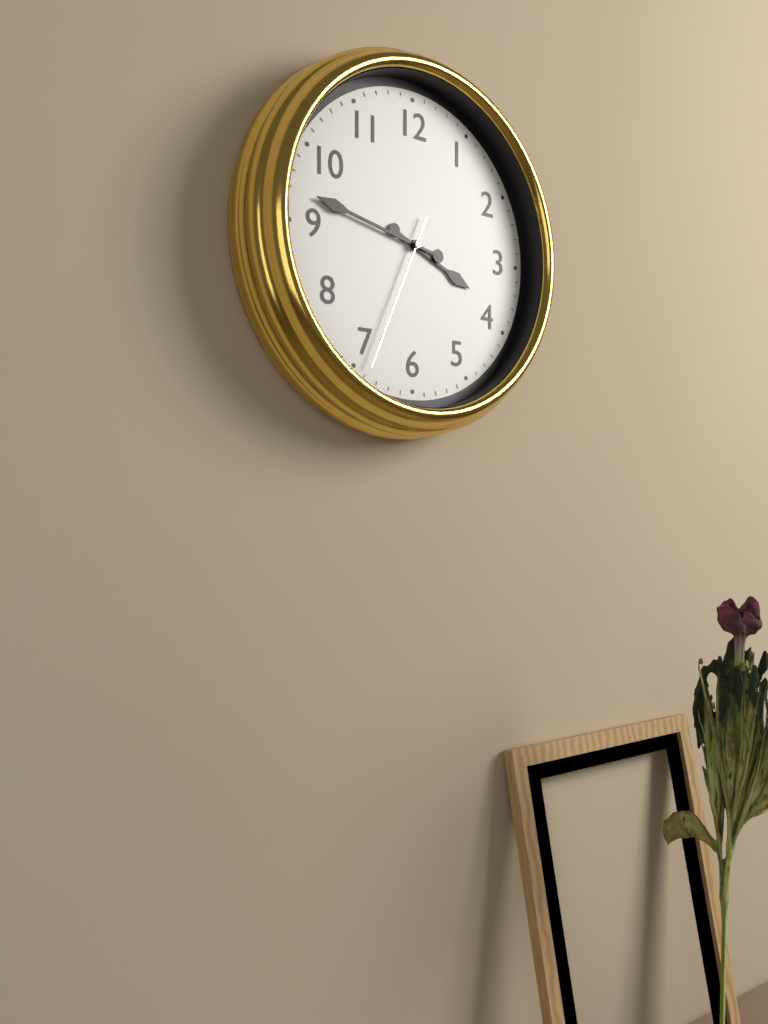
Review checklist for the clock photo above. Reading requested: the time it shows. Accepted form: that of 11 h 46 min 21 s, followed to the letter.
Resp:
3 h 47 min 34 s
